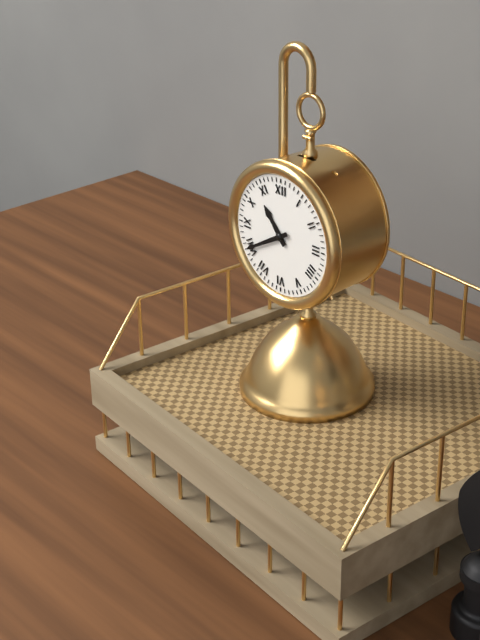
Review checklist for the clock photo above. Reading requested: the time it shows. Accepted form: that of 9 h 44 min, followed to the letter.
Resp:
10 h 40 min
